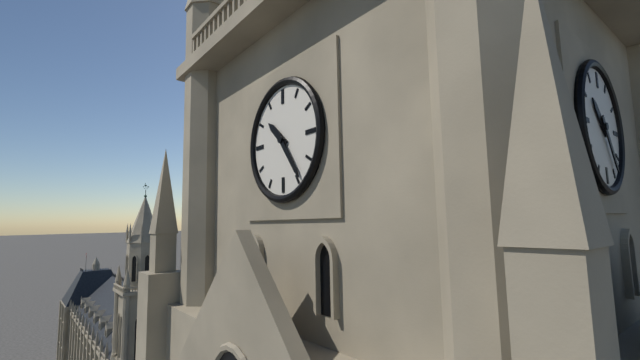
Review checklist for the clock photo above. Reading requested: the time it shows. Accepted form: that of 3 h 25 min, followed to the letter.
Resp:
10 h 24 min
